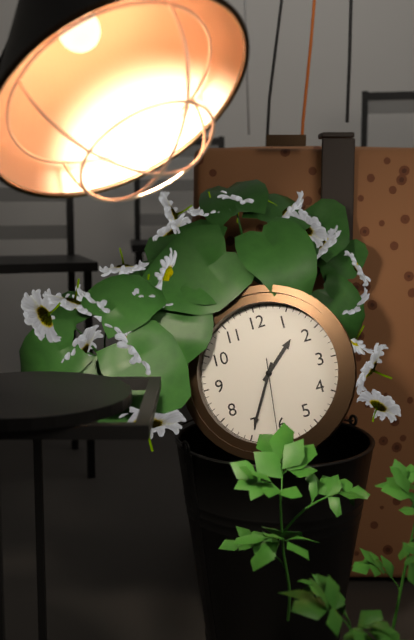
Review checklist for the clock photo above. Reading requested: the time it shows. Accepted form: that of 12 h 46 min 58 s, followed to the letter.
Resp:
1 h 35 min 31 s
